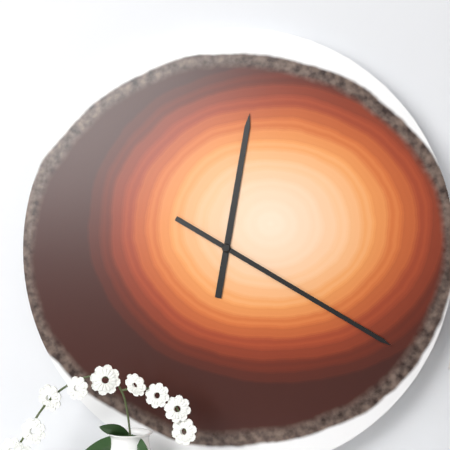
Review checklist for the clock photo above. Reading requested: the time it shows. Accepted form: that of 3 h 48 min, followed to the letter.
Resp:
12 h 20 min
